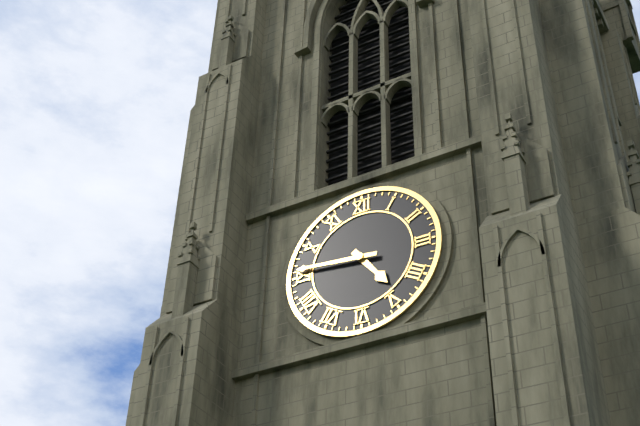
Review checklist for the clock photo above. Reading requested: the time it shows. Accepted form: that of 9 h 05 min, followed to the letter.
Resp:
4 h 46 min
